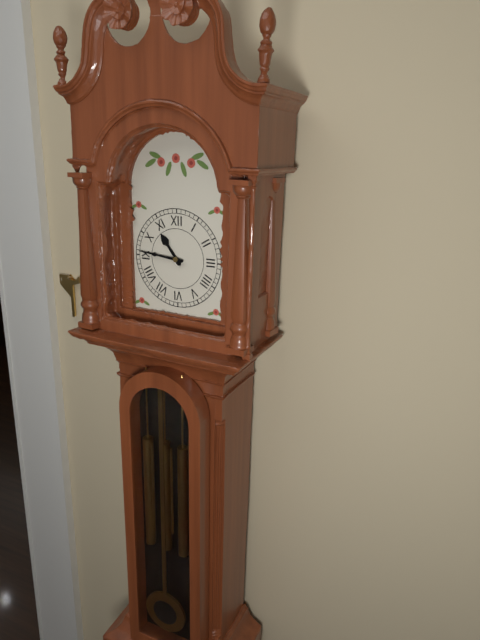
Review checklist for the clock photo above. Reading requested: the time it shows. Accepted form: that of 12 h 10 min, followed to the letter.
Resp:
10 h 46 min
